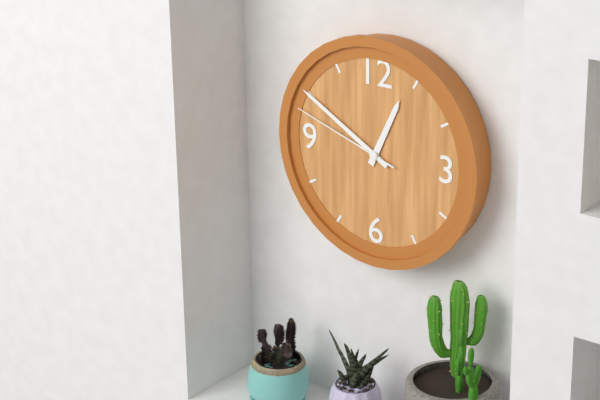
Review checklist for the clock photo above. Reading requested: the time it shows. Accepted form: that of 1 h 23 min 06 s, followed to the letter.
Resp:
12 h 50 min 48 s
